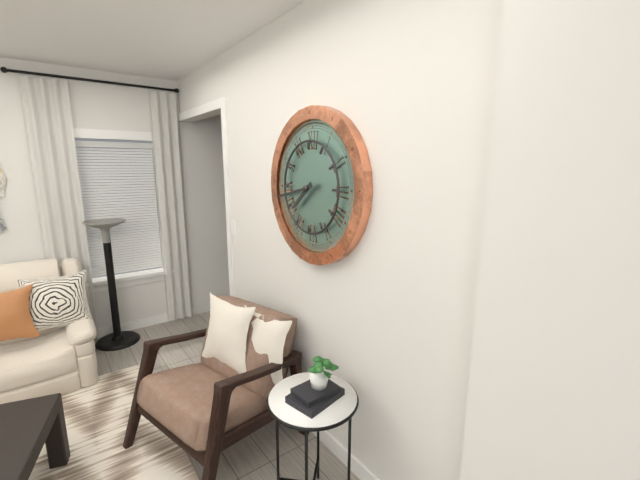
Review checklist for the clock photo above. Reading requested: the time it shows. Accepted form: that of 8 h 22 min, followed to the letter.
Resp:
7 h 43 min
